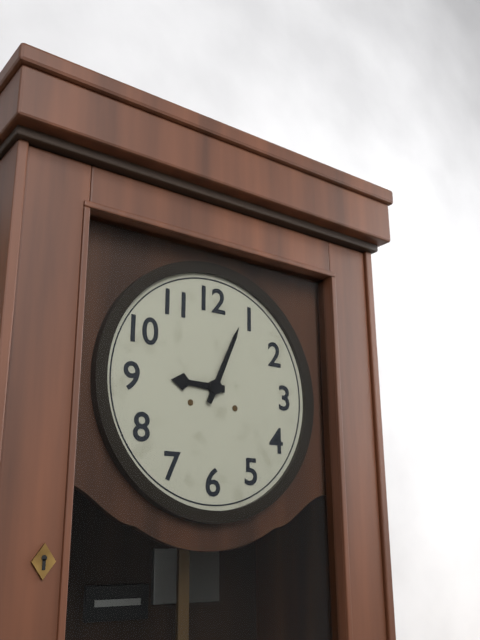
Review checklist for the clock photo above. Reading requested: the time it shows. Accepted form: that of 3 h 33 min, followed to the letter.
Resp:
9 h 04 min
